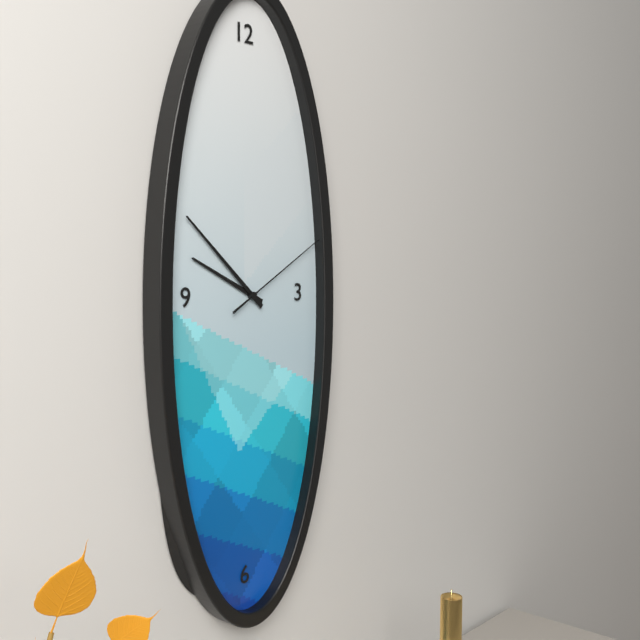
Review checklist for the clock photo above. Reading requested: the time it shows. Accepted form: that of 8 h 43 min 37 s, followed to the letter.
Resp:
9 h 52 min 10 s
